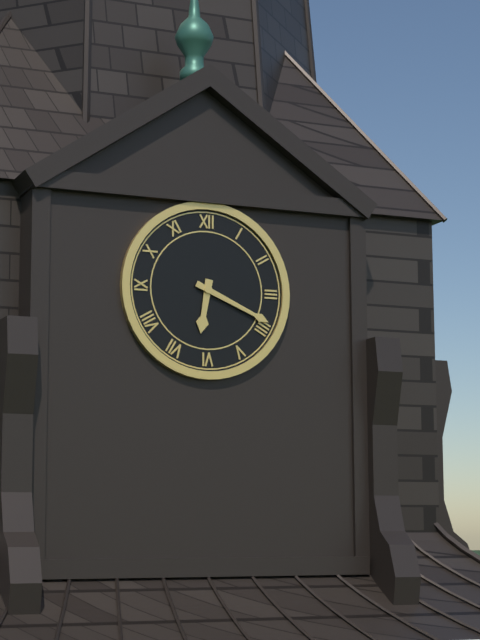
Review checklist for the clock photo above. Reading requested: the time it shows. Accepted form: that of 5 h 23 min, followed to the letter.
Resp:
6 h 19 min
